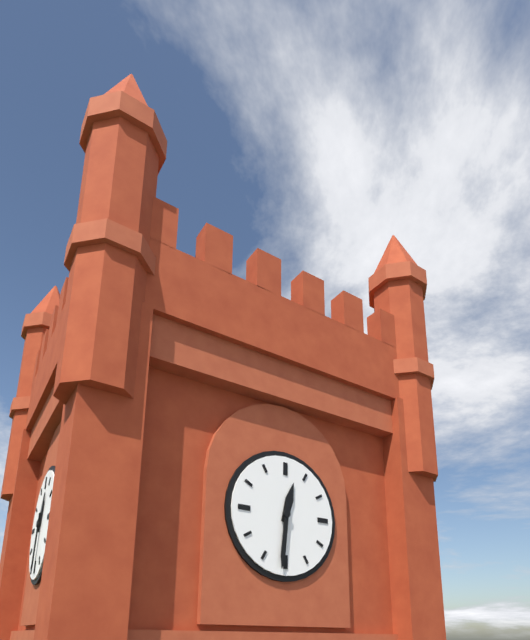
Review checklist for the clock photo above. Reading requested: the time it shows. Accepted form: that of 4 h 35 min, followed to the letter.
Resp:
12 h 31 min
